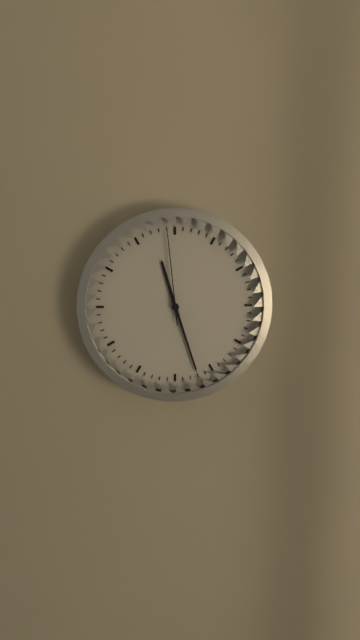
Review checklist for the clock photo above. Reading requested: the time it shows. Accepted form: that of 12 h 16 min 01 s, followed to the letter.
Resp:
11 h 27 min 59 s
